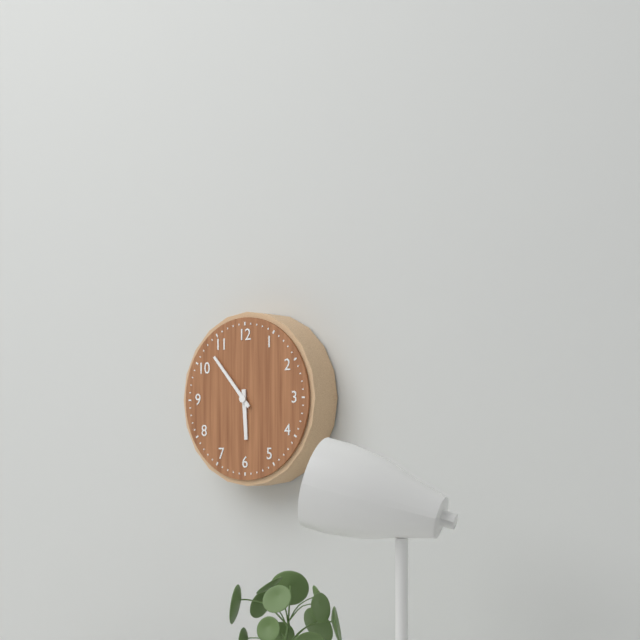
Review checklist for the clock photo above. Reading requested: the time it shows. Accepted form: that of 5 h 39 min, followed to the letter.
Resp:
5 h 53 min
